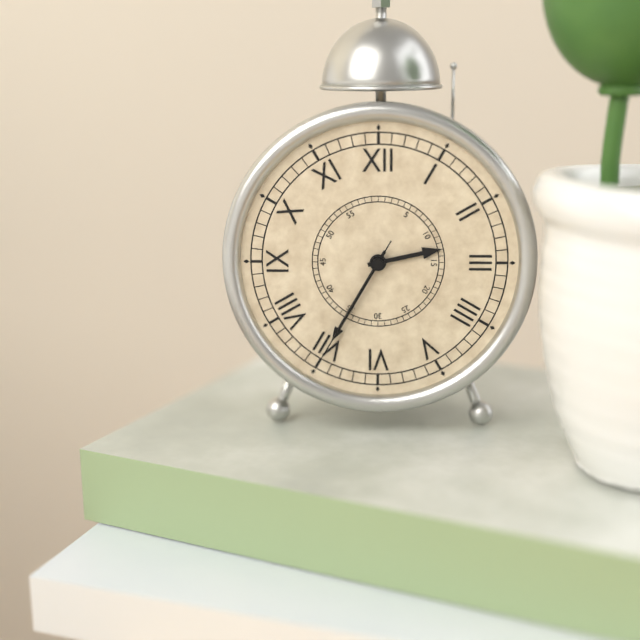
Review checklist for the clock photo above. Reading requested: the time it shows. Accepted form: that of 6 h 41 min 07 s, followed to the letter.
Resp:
2 h 35 min 35 s
